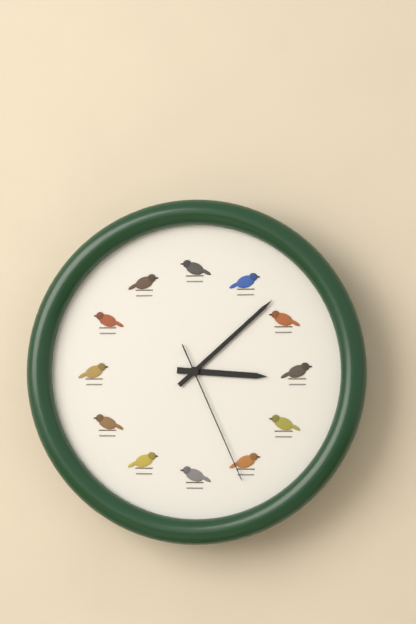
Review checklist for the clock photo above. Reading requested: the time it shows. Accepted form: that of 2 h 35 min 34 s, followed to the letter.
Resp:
3 h 08 min 26 s
